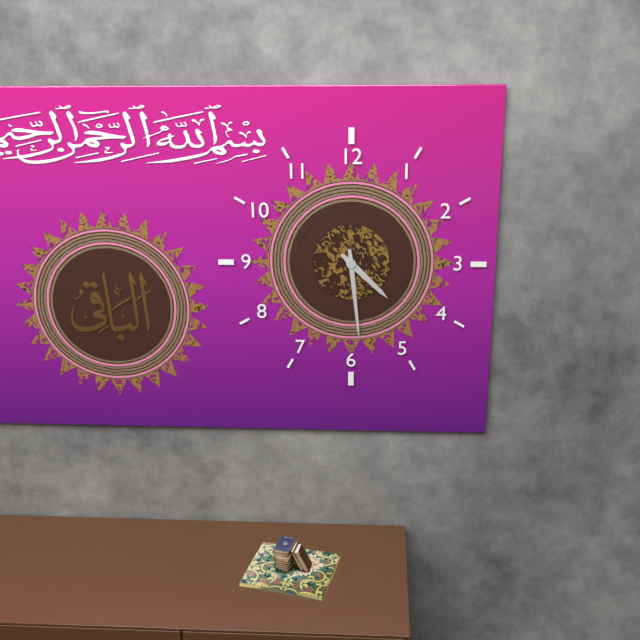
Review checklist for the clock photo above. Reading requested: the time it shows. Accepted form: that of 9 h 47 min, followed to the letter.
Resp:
4 h 29 min
